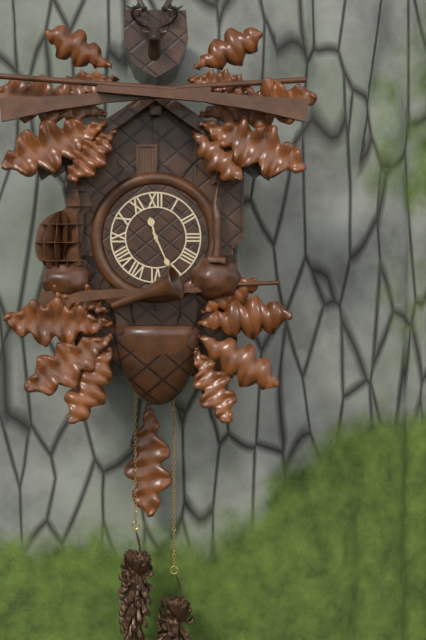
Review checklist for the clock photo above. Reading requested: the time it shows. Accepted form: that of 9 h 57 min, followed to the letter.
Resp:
11 h 26 min
